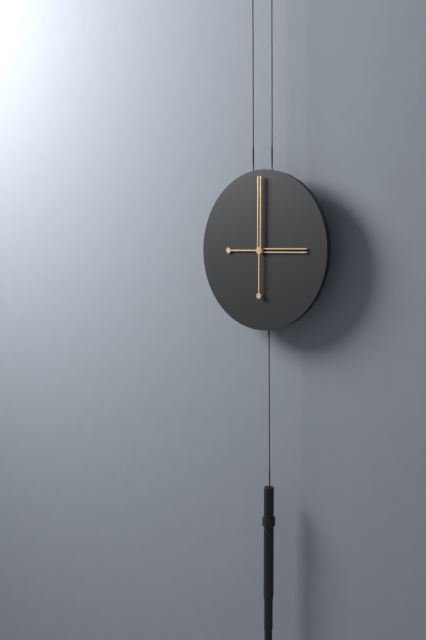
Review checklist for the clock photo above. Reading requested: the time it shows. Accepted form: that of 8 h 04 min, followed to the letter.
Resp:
3 h 00 min
